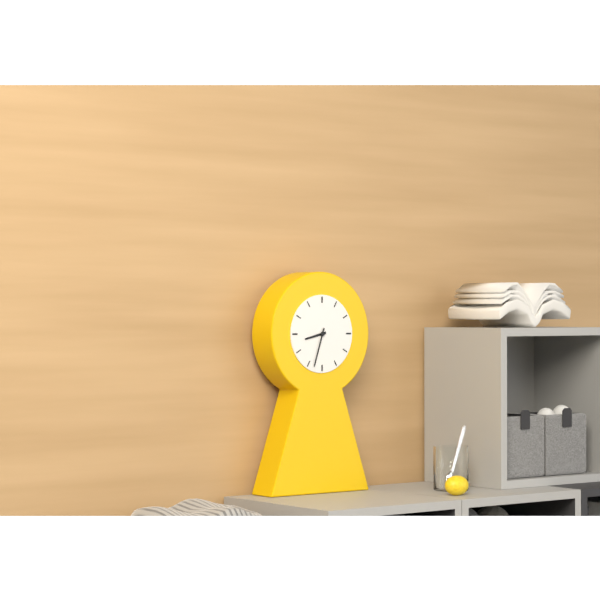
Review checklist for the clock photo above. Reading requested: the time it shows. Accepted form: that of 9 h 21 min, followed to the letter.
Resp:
8 h 33 min
